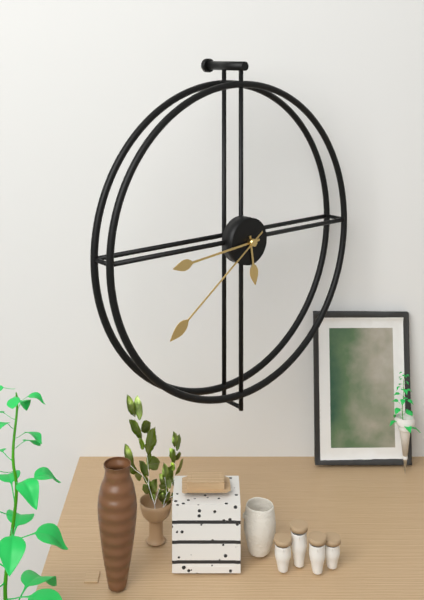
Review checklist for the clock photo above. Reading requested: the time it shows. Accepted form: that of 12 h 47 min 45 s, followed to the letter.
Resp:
5 h 44 min 39 s
